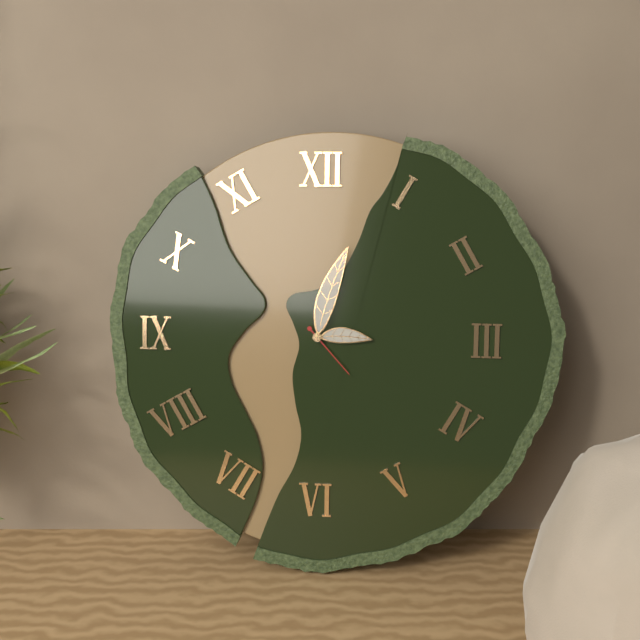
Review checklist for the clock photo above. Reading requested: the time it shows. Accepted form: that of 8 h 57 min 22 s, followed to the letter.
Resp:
3 h 03 min 23 s
